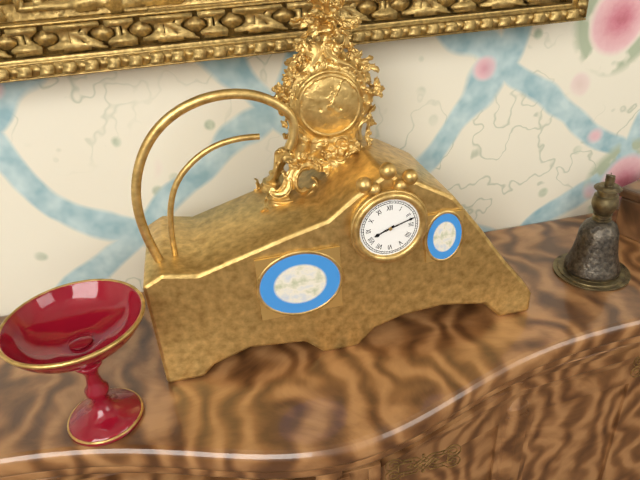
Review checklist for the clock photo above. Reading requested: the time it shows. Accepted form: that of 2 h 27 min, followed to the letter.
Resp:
8 h 12 min
